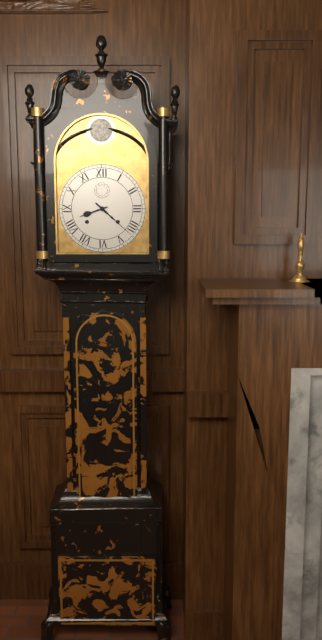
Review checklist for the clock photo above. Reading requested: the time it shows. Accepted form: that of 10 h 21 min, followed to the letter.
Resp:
8 h 22 min
